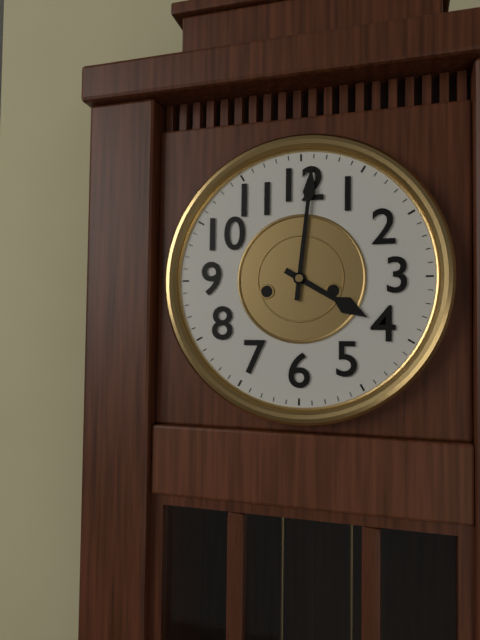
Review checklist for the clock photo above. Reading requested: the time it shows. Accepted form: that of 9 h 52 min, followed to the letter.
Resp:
4 h 01 min
